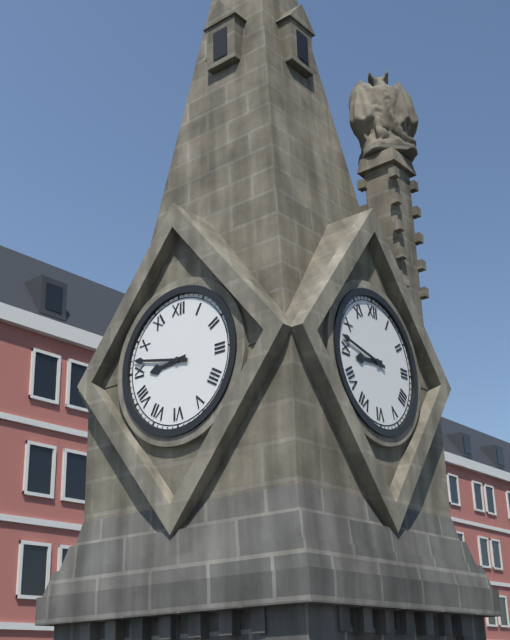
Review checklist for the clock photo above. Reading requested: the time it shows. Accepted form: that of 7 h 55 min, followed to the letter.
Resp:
8 h 47 min
